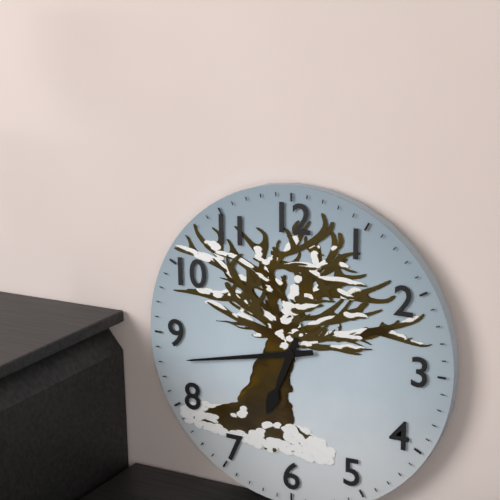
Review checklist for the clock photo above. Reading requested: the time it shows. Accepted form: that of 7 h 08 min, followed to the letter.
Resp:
6 h 43 min
